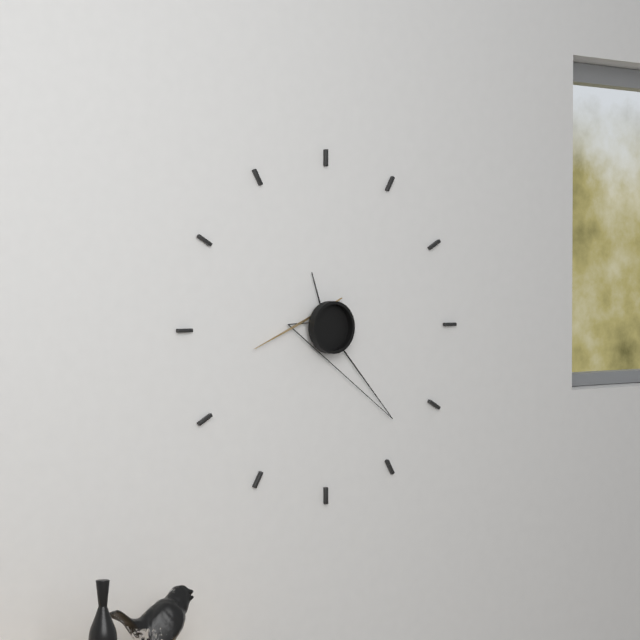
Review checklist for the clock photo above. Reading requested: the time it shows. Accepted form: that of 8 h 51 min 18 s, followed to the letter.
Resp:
11 h 23 min 43 s
